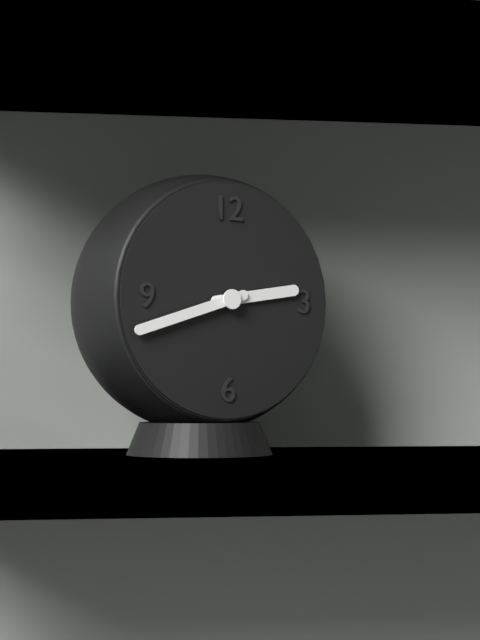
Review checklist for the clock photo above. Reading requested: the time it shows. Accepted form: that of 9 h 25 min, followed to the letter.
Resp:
2 h 42 min
